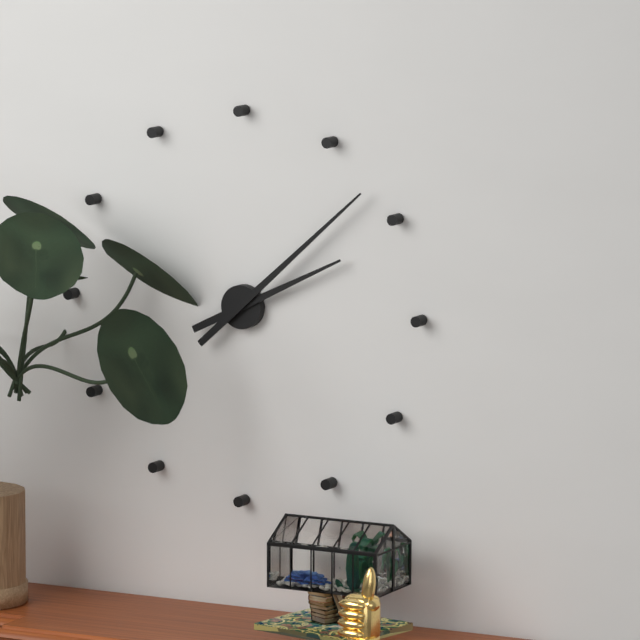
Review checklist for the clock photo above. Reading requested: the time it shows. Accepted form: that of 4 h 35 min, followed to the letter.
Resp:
2 h 08 min
